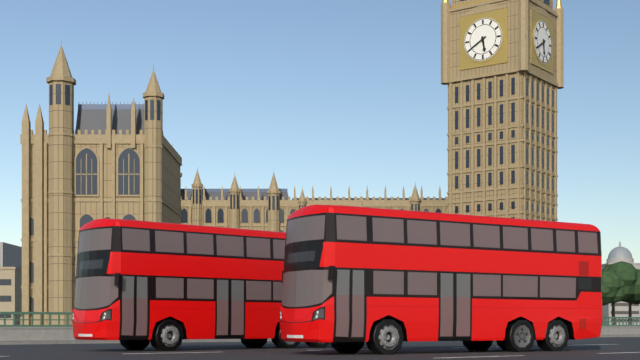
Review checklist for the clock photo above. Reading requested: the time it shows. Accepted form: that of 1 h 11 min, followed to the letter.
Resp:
5 h 40 min
